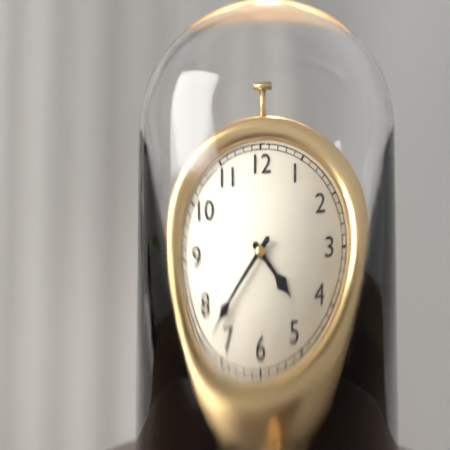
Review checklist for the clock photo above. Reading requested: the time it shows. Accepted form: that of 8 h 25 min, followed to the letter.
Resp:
4 h 37 min
